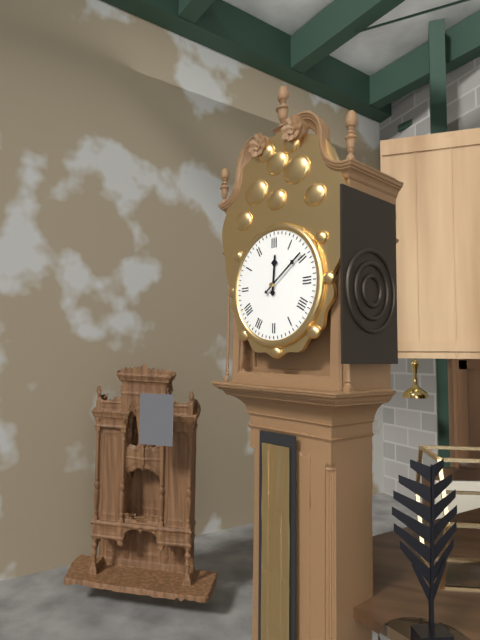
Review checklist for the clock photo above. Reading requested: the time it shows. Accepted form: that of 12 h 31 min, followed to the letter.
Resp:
12 h 09 min
